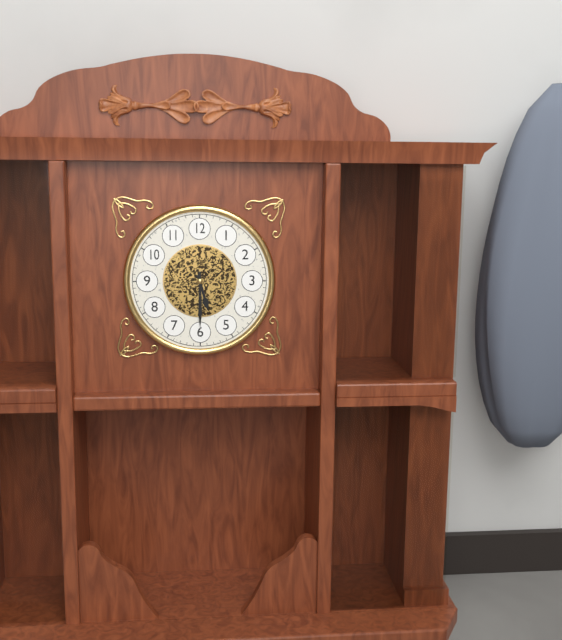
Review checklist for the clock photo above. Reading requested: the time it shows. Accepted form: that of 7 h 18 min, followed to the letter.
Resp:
5 h 30 min
